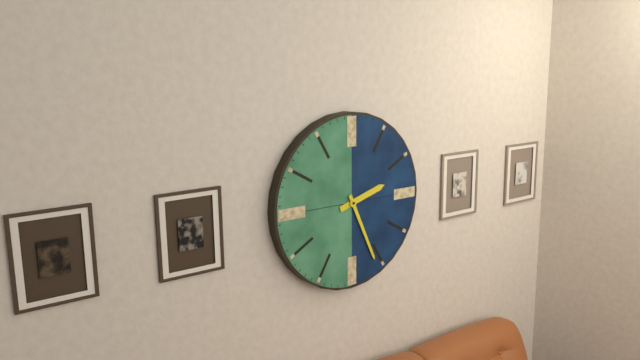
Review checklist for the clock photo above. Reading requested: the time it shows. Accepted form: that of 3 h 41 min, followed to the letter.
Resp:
2 h 26 min
